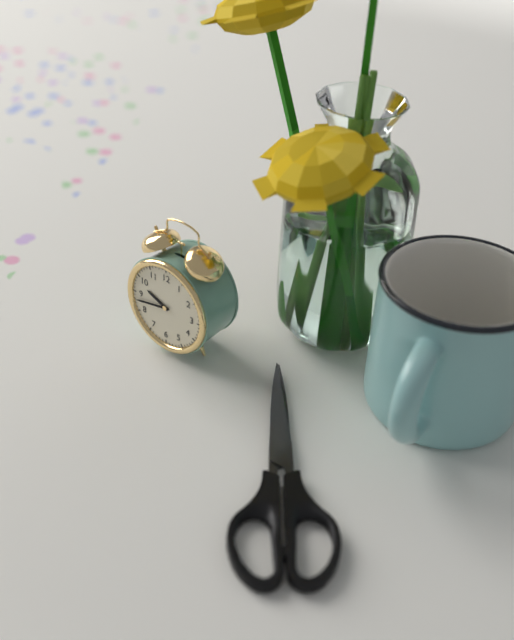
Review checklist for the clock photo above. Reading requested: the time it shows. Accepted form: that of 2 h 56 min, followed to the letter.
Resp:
9 h 43 min
